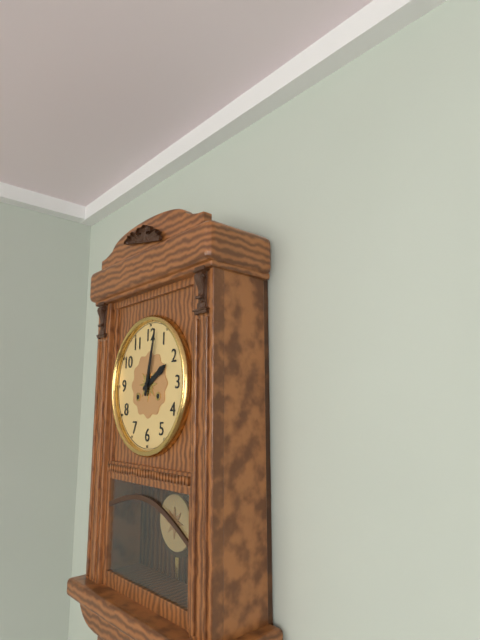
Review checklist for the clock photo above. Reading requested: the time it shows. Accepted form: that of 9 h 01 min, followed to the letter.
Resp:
2 h 02 min
